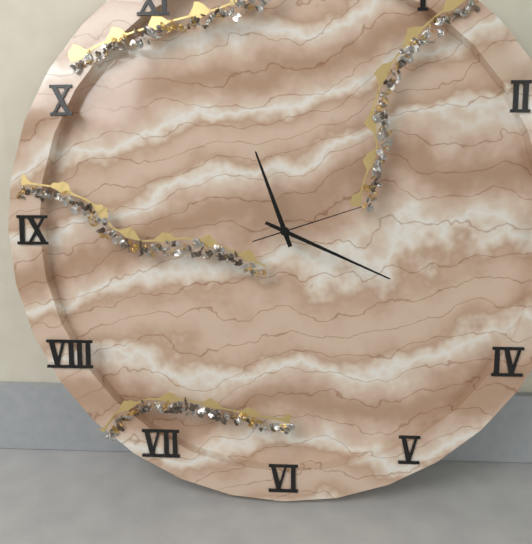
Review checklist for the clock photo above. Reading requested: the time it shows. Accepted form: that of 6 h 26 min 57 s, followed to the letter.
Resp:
11 h 19 min 12 s
